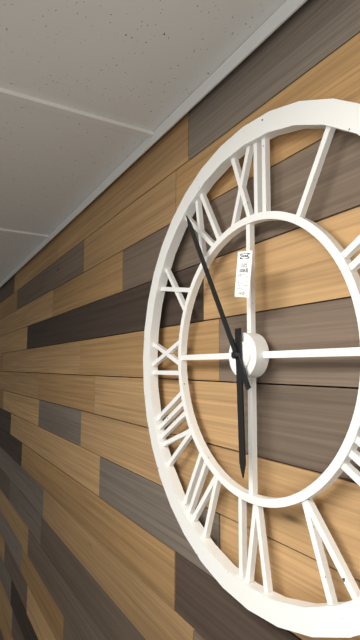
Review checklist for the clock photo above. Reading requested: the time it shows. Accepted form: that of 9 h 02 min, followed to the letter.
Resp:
5 h 55 min
